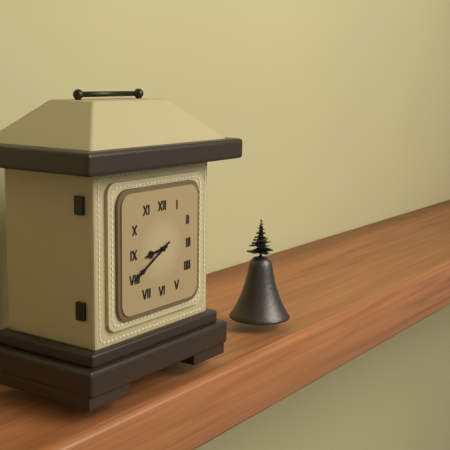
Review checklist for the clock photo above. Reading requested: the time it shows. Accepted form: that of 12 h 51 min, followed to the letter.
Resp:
8 h 40 min
